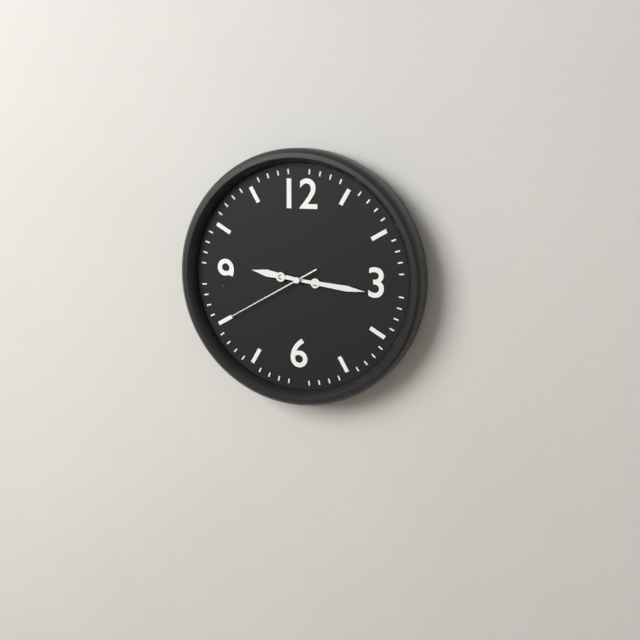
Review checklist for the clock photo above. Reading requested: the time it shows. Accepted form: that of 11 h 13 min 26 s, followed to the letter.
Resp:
9 h 16 min 40 s
